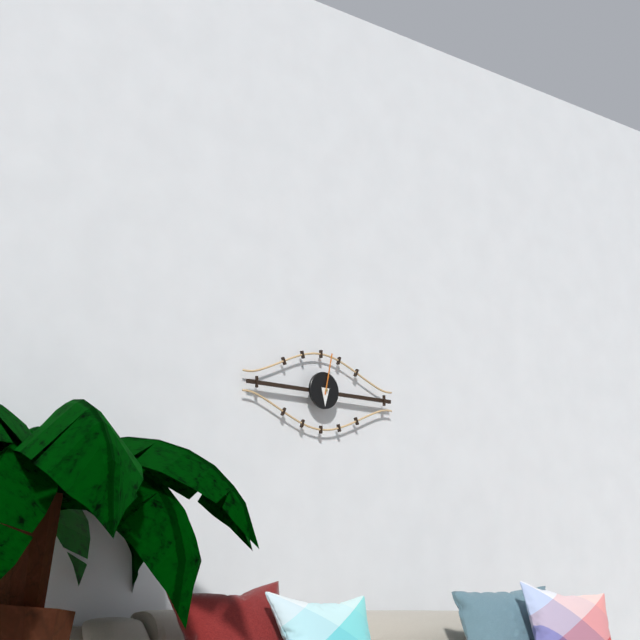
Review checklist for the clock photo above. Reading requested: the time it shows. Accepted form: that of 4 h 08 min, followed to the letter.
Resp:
6 h 02 min
